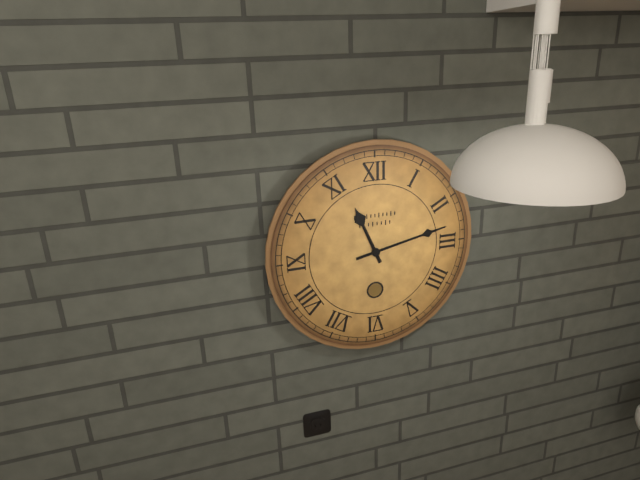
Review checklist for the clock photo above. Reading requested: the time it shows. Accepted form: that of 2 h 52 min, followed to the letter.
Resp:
11 h 13 min
